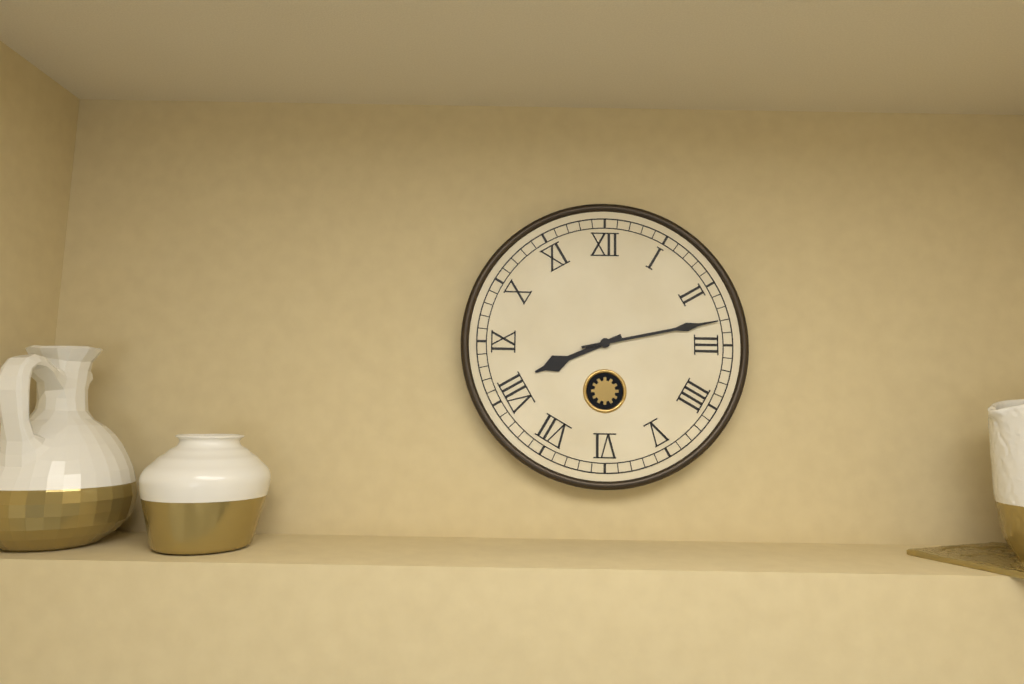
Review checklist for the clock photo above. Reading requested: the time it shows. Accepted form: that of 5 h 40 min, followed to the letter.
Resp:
8 h 13 min
